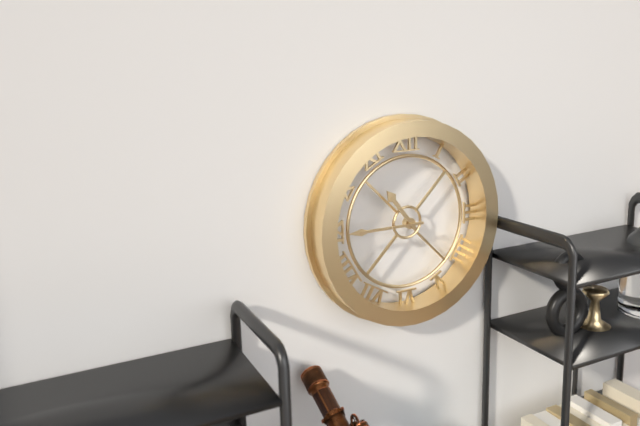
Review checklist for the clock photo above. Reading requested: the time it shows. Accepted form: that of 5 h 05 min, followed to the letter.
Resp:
10 h 45 min
